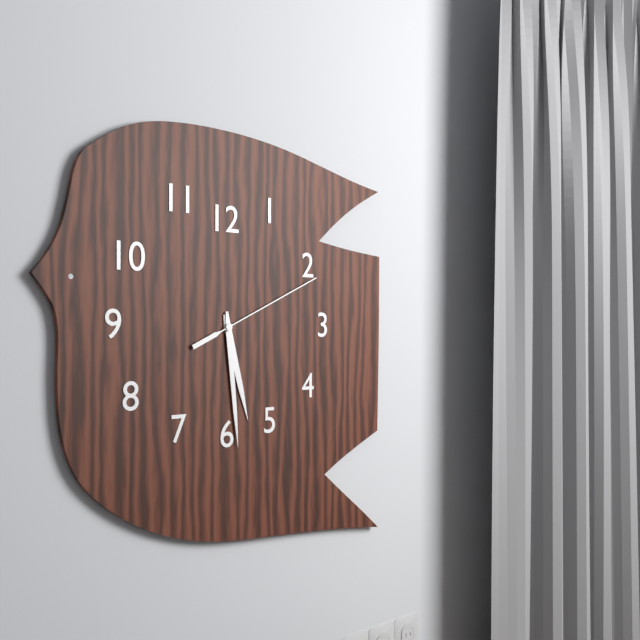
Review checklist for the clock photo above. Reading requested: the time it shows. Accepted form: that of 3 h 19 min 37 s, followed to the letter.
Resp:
5 h 29 min 11 s
